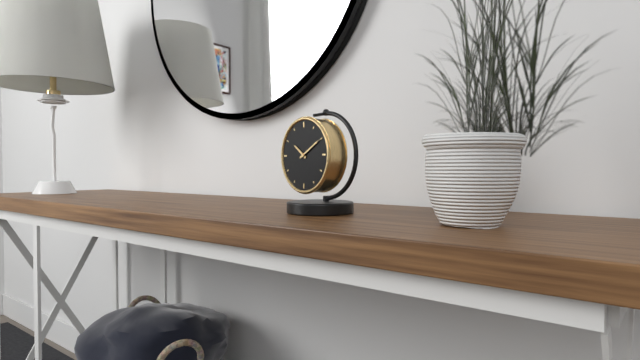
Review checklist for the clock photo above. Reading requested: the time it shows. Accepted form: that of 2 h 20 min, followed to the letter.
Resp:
10 h 10 min
